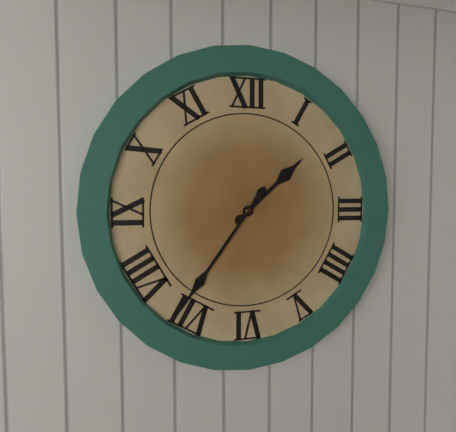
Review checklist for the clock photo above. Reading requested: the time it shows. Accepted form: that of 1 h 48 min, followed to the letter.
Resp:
1 h 36 min
